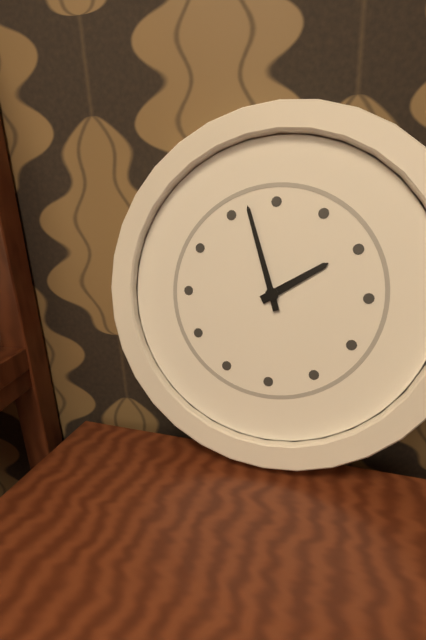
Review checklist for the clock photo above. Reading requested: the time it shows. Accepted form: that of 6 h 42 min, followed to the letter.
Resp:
1 h 57 min
